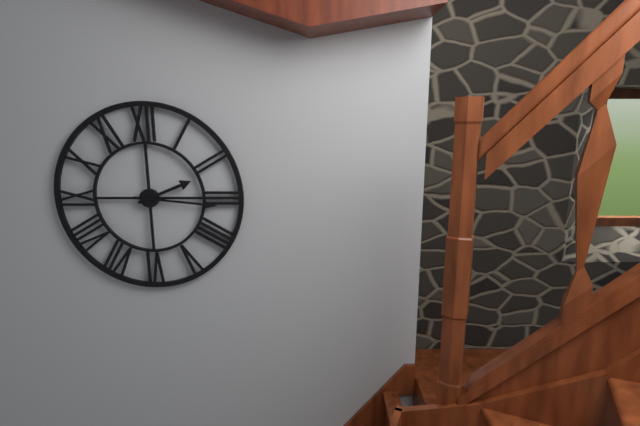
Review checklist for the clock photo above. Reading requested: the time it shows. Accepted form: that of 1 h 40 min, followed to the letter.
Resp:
2 h 16 min
